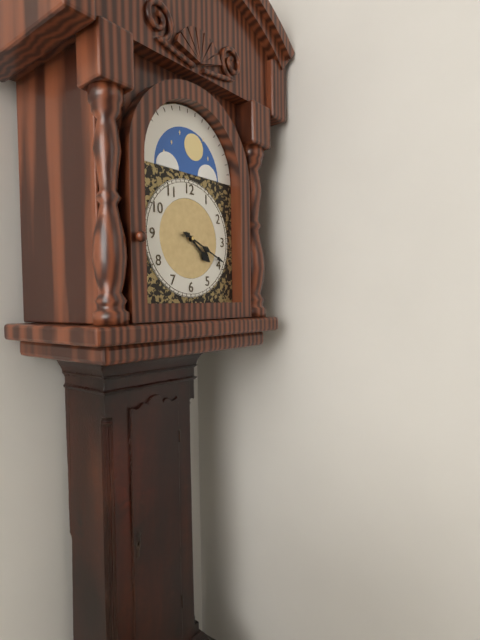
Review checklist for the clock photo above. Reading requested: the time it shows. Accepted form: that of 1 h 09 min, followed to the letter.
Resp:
4 h 19 min
